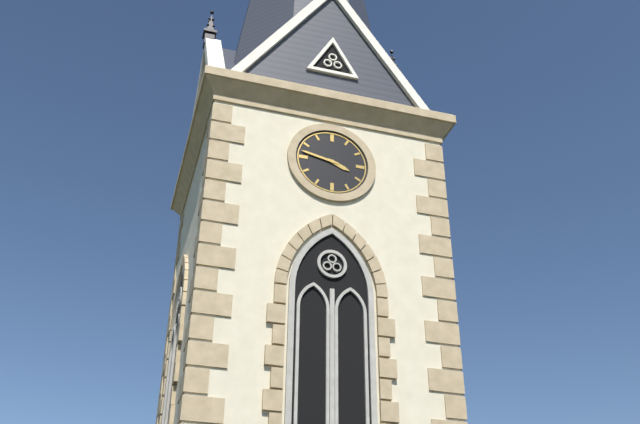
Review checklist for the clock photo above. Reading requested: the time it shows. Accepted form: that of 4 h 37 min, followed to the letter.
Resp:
3 h 47 min
